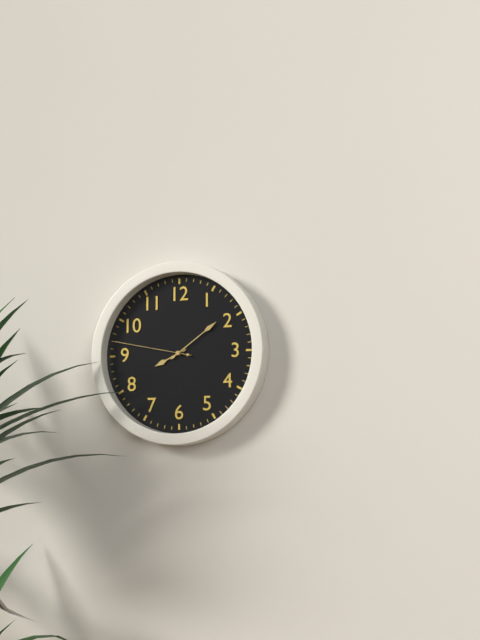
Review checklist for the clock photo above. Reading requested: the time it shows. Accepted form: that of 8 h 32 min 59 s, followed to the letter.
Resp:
8 h 09 min 47 s
